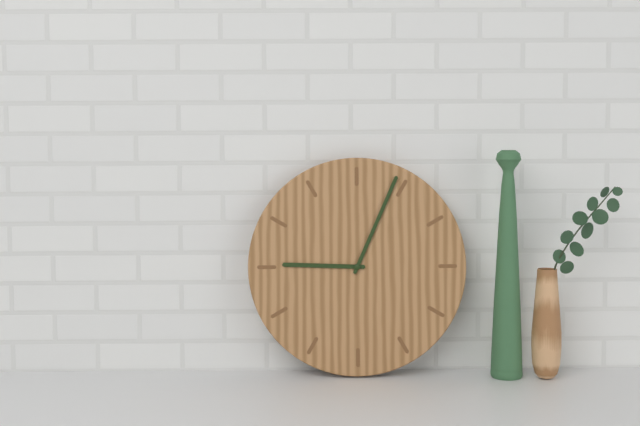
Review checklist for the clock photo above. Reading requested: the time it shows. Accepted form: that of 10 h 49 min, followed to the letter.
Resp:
9 h 04 min
